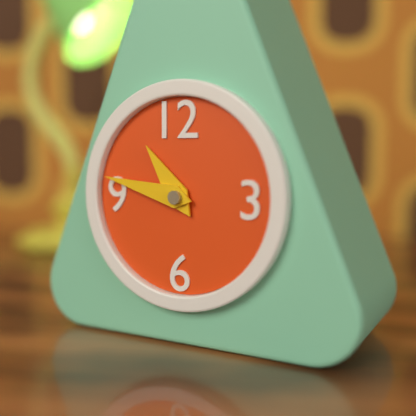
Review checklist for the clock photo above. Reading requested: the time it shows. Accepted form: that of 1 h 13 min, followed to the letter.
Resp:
10 h 47 min
